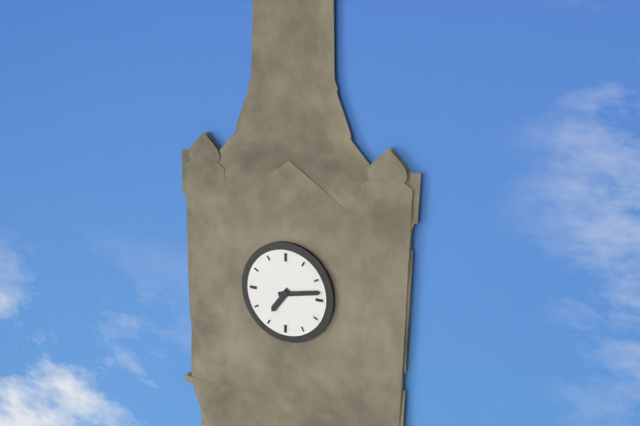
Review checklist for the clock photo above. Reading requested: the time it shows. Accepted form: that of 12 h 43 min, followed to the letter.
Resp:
7 h 13 min
